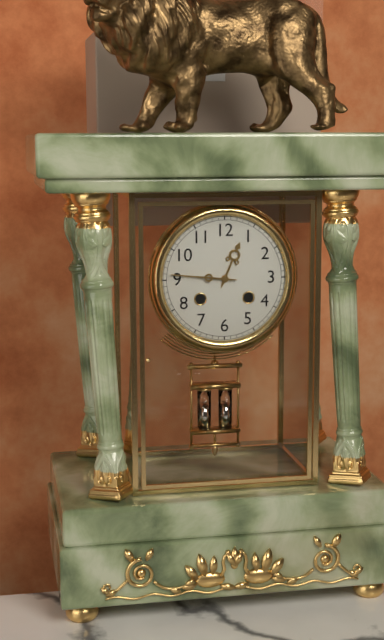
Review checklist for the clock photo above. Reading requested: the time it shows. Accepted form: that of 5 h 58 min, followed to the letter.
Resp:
12 h 46 min
